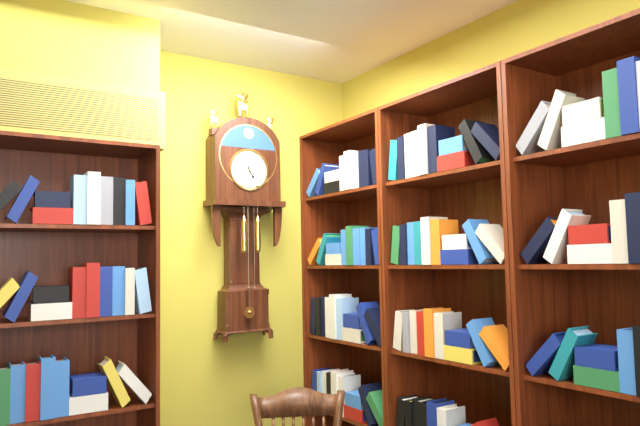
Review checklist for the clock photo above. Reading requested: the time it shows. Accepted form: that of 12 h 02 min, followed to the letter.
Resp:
4 h 57 min
